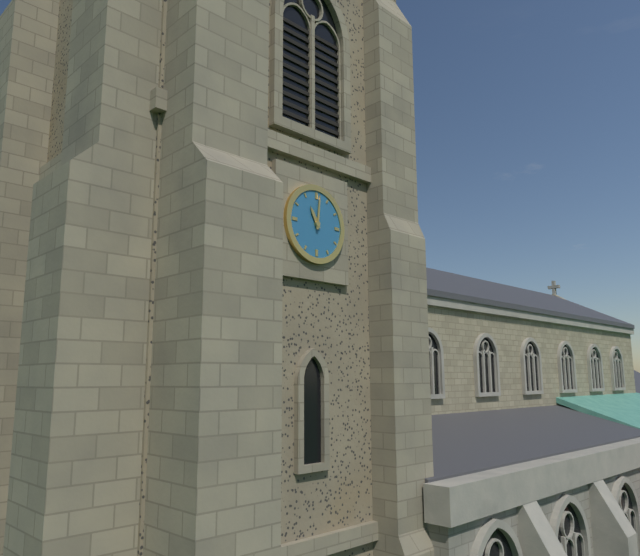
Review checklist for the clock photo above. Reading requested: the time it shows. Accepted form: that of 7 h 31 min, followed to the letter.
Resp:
11 h 01 min
